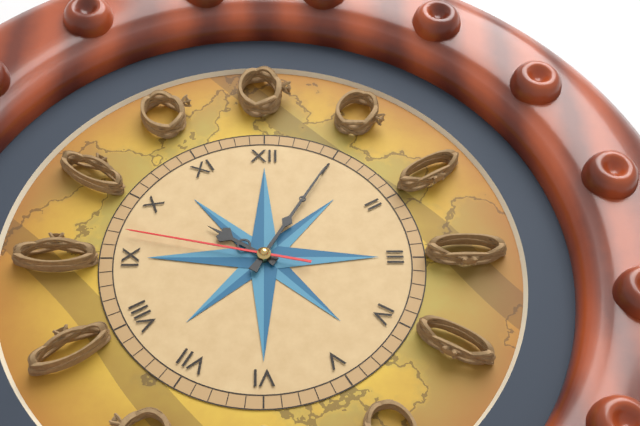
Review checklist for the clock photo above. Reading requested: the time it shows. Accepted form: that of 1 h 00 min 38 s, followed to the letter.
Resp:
10 h 05 min 47 s
